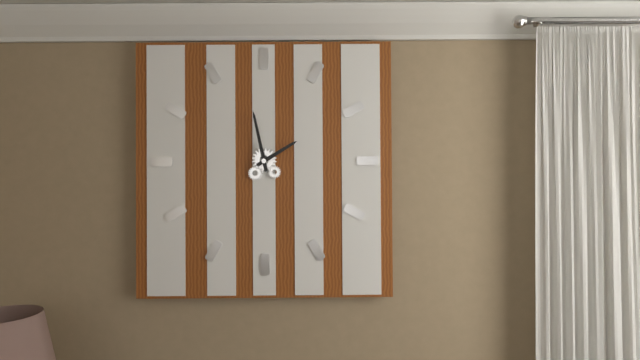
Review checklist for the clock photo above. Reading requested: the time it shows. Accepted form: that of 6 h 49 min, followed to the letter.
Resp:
1 h 58 min
